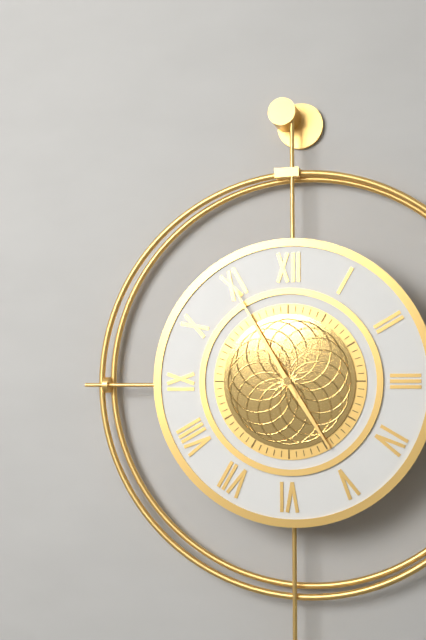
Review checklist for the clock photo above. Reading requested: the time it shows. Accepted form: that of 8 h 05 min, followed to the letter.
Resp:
4 h 55 min
